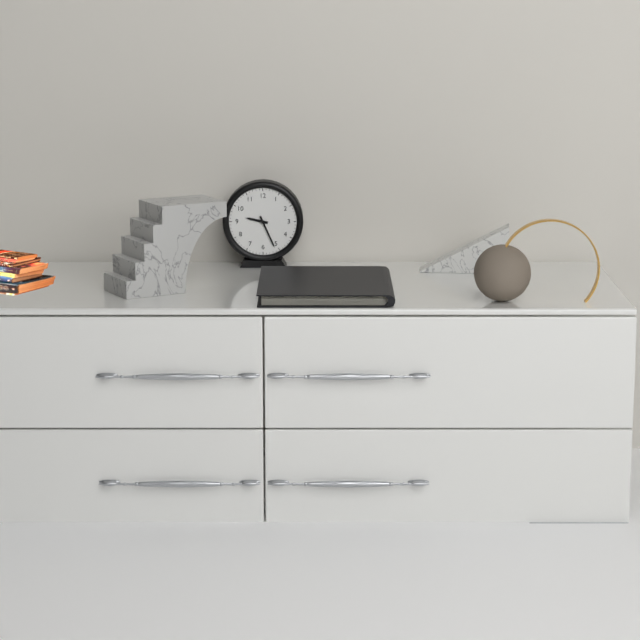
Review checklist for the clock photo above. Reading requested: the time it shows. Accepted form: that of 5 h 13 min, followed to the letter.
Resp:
9 h 26 min
